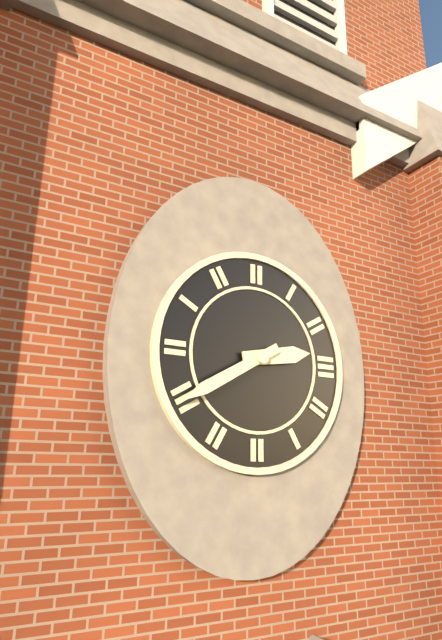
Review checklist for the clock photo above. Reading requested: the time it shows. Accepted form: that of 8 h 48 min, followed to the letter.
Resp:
2 h 40 min
